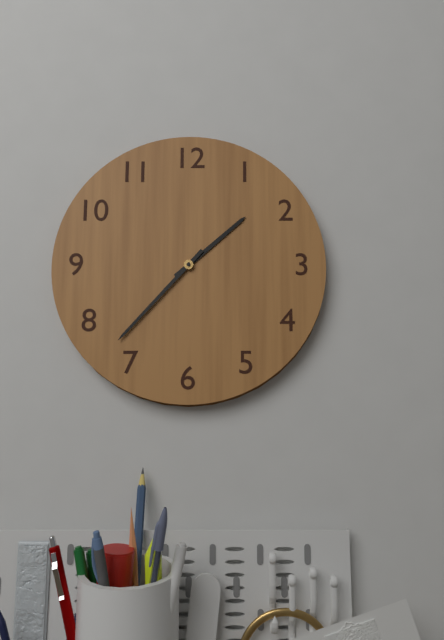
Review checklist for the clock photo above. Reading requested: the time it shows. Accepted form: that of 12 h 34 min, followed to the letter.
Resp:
1 h 37 min
